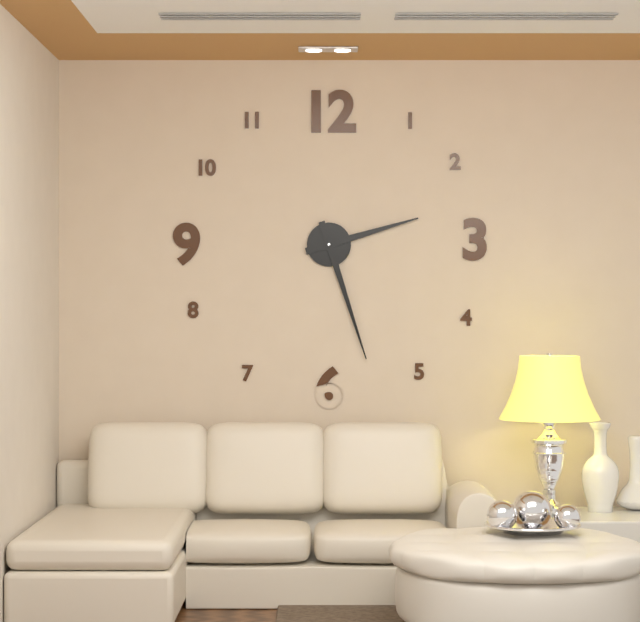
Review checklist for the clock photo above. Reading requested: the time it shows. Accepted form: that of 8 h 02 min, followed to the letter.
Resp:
2 h 27 min
